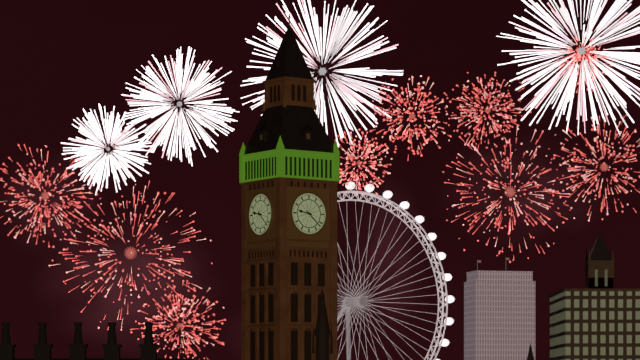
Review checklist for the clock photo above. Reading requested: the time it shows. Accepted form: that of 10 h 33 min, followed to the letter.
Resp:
9 h 22 min
